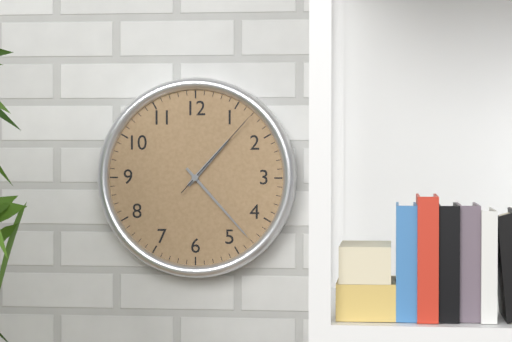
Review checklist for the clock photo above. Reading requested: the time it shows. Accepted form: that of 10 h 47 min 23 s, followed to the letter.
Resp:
1 h 23 min 07 s
